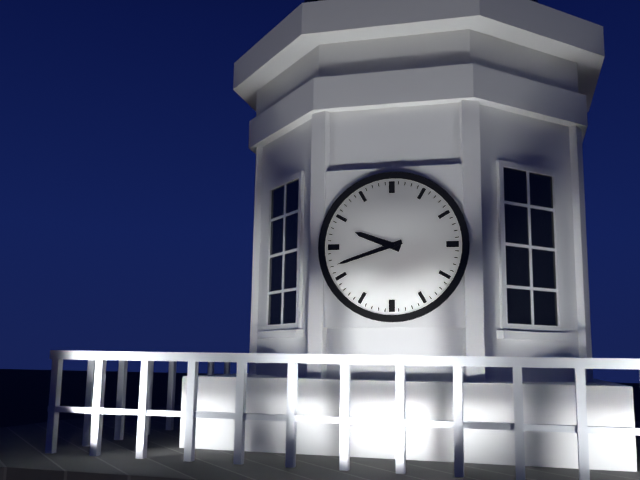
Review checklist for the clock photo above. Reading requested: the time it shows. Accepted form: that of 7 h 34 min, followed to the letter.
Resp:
9 h 42 min
